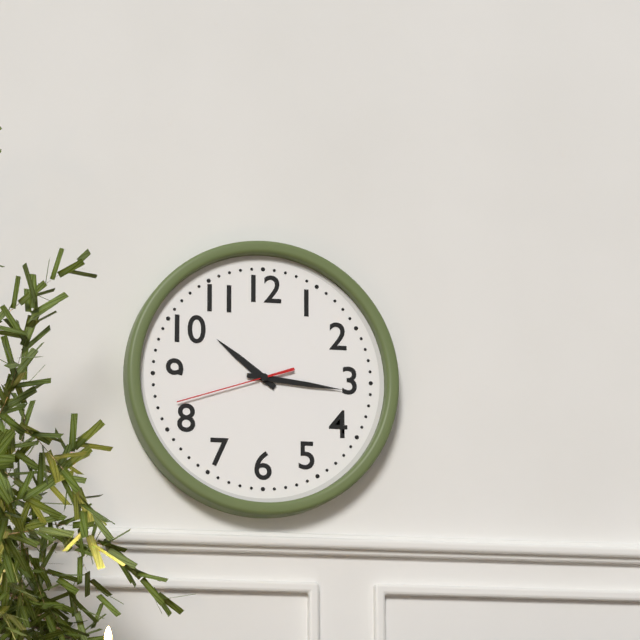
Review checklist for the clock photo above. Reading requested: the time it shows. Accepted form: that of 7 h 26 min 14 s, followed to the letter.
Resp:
10 h 16 min 42 s
